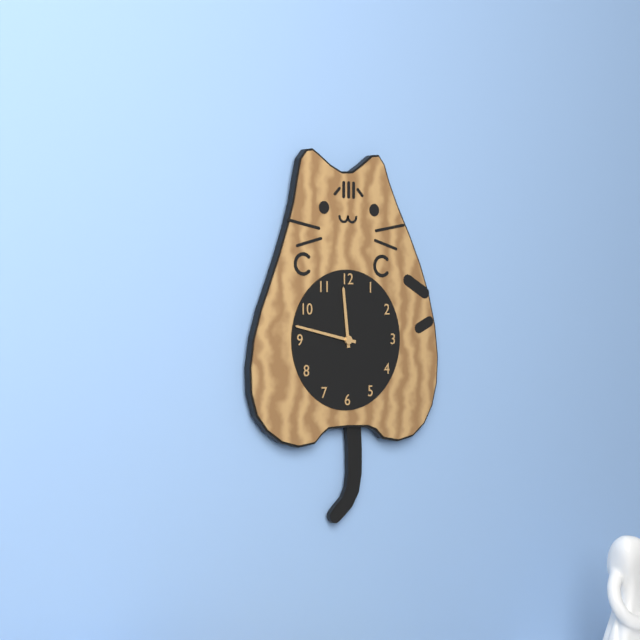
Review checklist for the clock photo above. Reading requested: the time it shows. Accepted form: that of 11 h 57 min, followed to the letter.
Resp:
11 h 47 min
